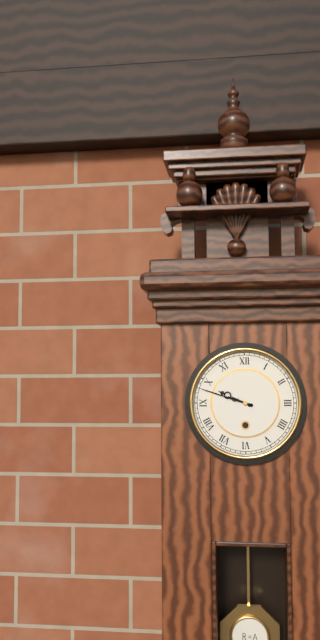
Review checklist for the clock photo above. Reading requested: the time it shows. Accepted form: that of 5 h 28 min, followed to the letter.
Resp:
9 h 48 min
